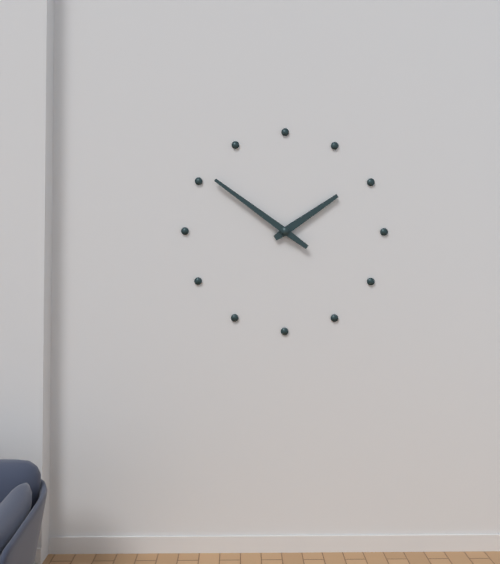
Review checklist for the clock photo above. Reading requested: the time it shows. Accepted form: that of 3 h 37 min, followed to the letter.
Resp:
1 h 51 min
